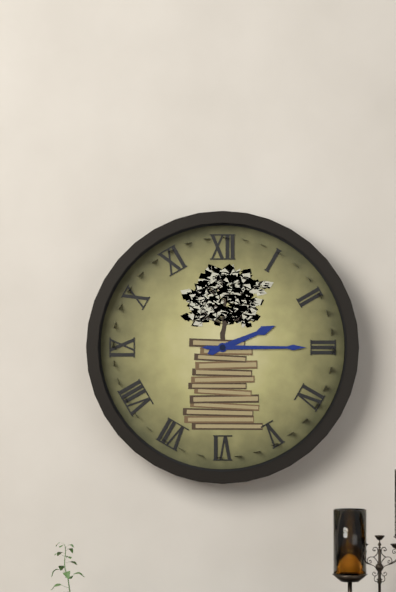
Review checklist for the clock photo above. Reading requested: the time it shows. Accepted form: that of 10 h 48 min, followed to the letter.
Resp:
2 h 15 min
